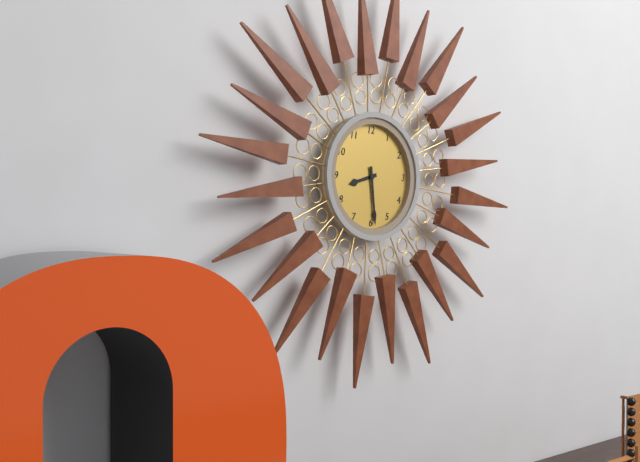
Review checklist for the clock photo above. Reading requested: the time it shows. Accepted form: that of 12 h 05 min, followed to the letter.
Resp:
8 h 29 min
